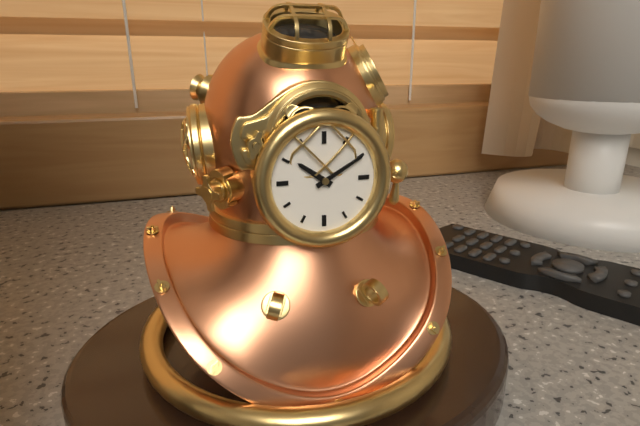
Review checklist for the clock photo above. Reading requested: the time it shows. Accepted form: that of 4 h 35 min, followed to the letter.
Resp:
10 h 10 min
